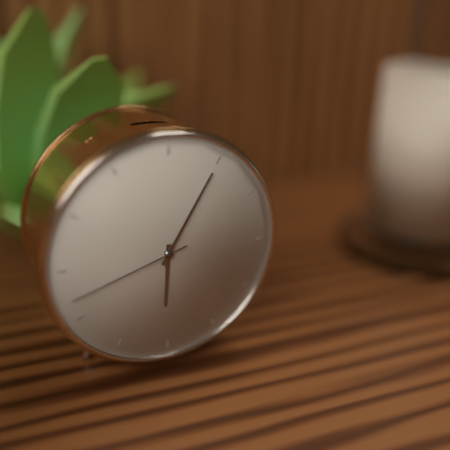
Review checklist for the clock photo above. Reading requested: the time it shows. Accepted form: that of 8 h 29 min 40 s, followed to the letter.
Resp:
6 h 05 min 42 s
